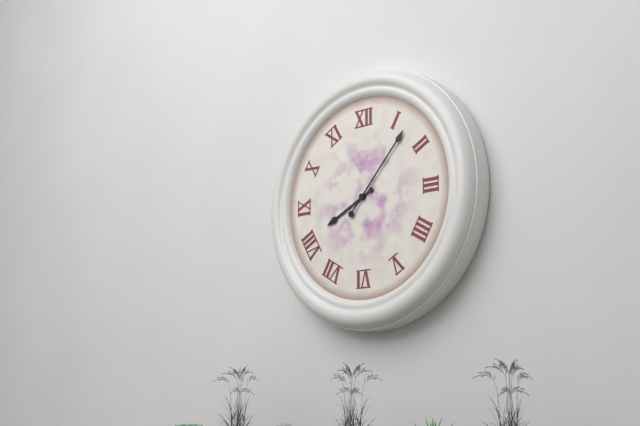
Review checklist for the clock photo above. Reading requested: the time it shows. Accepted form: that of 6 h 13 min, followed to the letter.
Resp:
8 h 07 min
